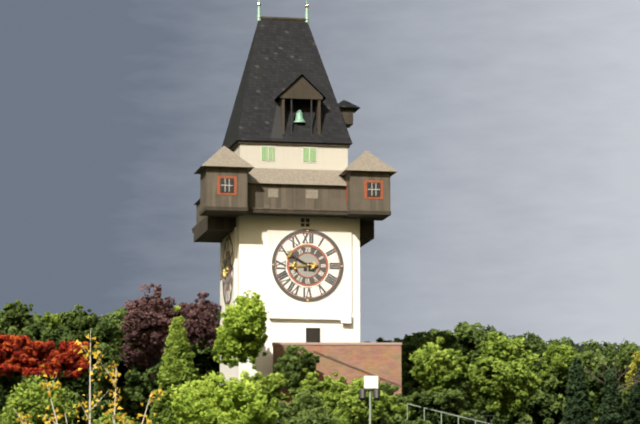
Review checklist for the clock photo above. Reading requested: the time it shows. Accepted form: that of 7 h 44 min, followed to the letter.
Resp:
8 h 50 min
